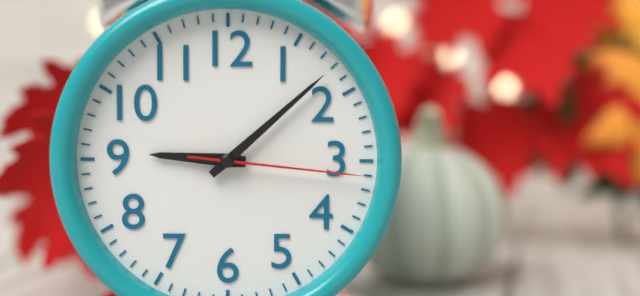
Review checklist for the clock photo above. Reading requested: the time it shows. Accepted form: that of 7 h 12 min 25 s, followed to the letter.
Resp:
9 h 08 min 16 s
